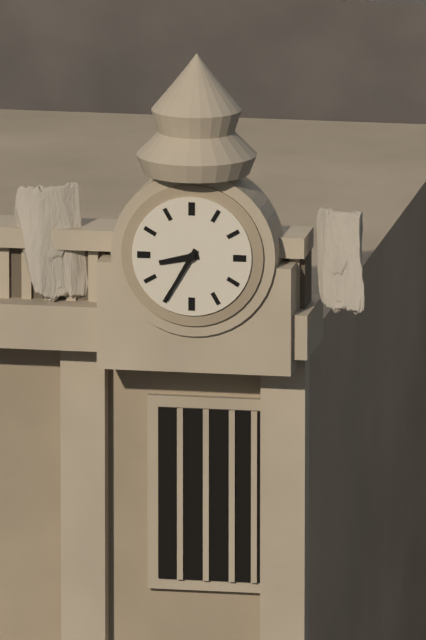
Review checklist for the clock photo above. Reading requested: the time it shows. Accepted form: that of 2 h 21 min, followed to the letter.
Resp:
8 h 35 min
